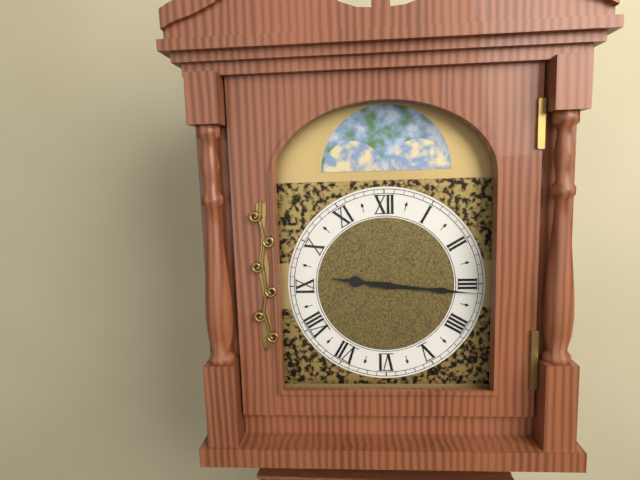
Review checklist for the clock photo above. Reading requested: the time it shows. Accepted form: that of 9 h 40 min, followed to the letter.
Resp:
9 h 16 min
